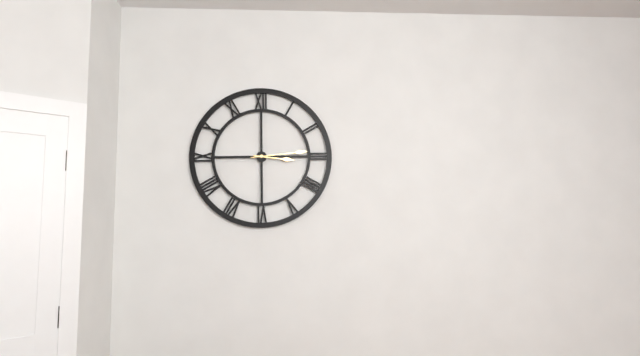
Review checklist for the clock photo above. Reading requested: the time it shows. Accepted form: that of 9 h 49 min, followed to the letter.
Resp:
3 h 14 min
